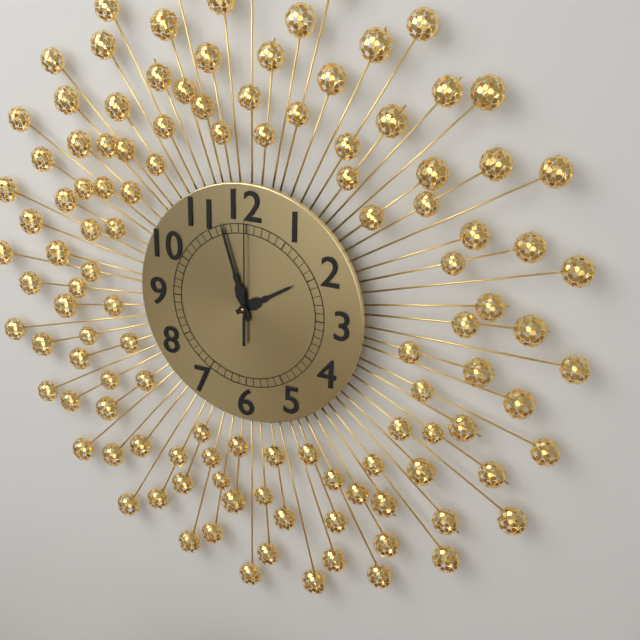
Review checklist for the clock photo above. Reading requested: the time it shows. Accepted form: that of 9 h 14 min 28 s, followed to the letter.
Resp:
1 h 57 min 00 s
